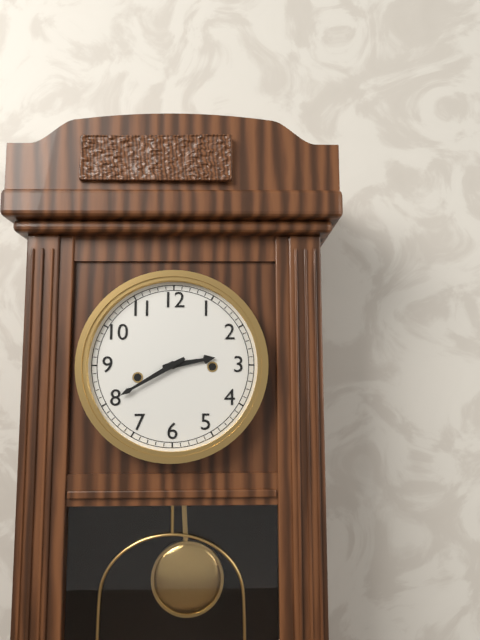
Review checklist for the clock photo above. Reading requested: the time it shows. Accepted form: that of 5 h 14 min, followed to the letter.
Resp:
2 h 40 min
